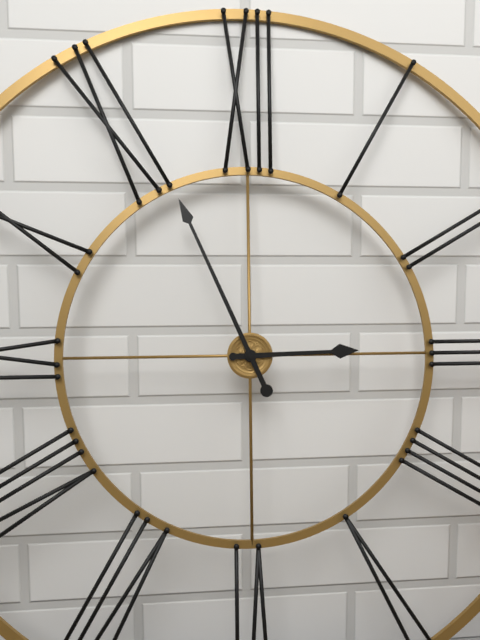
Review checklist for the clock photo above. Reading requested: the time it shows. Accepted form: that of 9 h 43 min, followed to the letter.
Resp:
2 h 56 min
